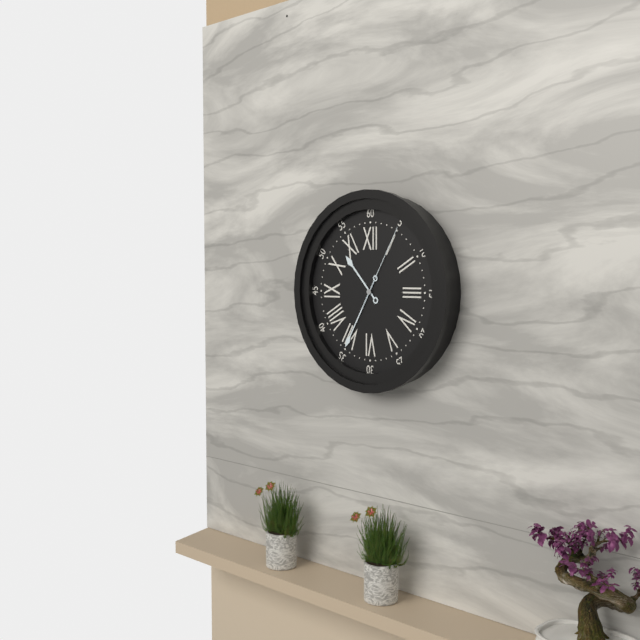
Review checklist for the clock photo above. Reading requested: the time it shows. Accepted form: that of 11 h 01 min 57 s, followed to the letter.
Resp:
10 h 35 min 05 s
